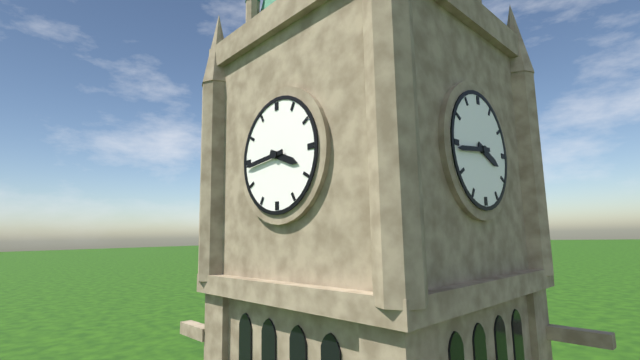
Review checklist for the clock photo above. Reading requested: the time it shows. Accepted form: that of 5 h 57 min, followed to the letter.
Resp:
3 h 44 min
